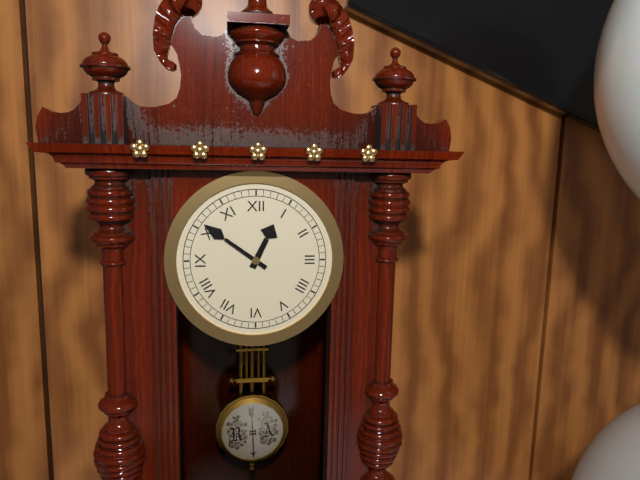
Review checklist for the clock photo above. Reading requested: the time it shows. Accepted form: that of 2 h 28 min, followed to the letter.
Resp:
12 h 51 min
